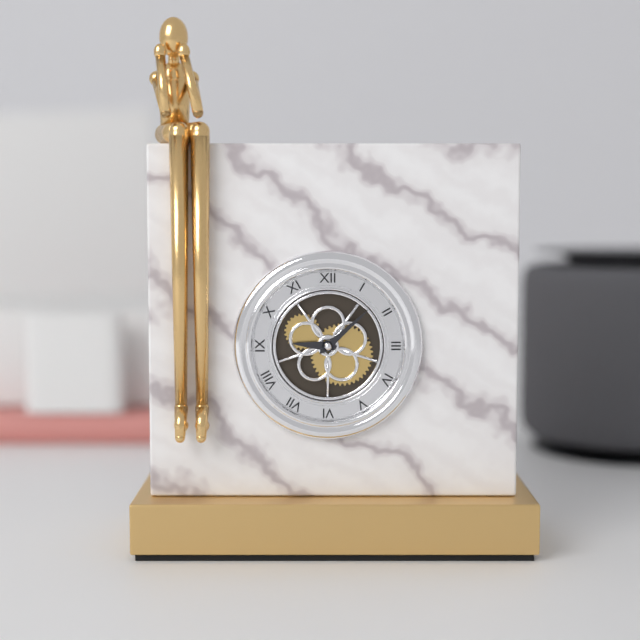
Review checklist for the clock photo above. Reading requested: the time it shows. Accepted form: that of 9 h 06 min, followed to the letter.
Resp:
9 h 08 min
